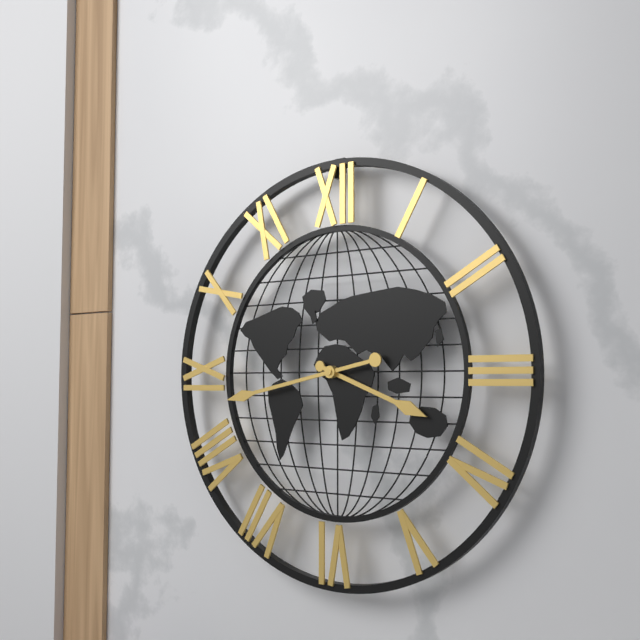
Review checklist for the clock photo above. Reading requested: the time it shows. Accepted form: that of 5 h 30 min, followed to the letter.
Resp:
3 h 43 min
